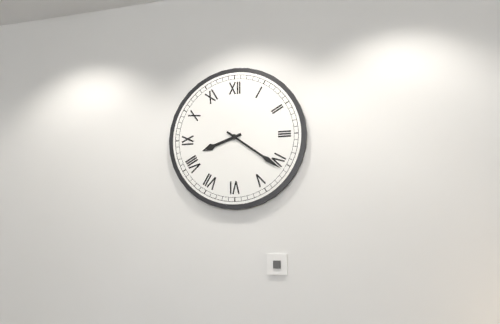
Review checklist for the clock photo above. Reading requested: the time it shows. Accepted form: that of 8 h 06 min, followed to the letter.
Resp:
8 h 21 min
